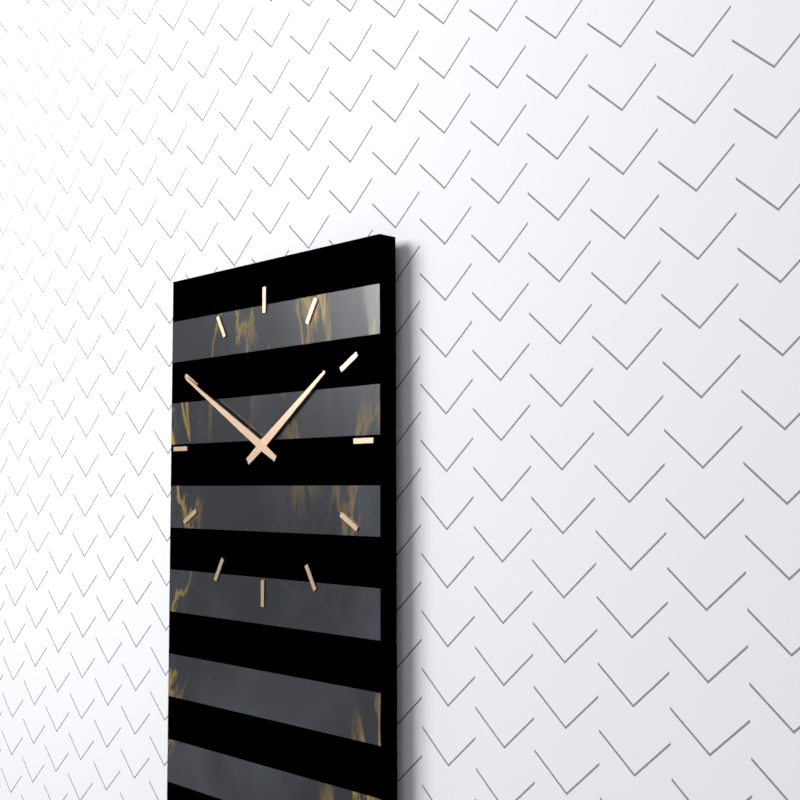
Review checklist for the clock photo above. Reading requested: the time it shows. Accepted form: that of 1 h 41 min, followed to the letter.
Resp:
1 h 50 min
